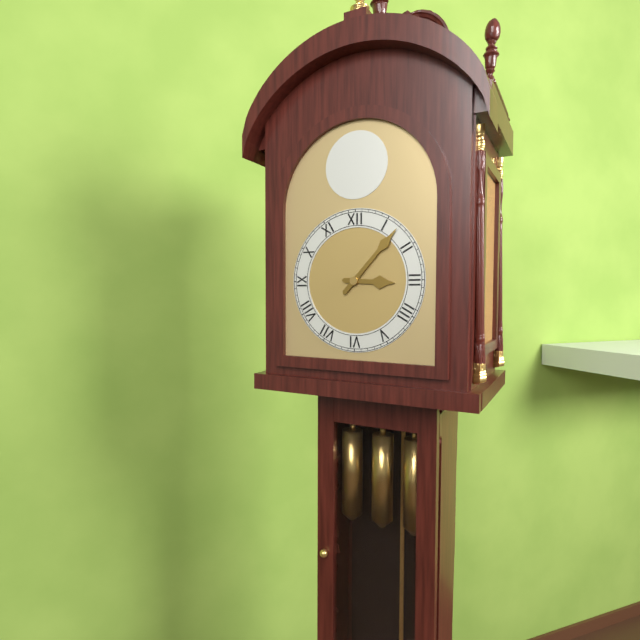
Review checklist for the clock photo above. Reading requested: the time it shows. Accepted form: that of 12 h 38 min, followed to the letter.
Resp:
3 h 07 min
